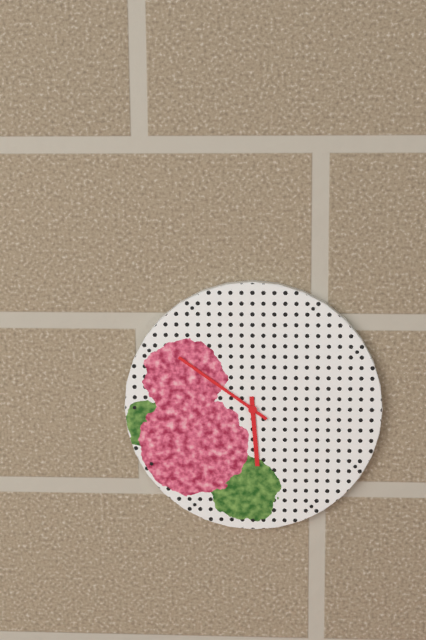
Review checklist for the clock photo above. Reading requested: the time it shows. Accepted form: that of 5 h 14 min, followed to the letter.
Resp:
5 h 51 min
